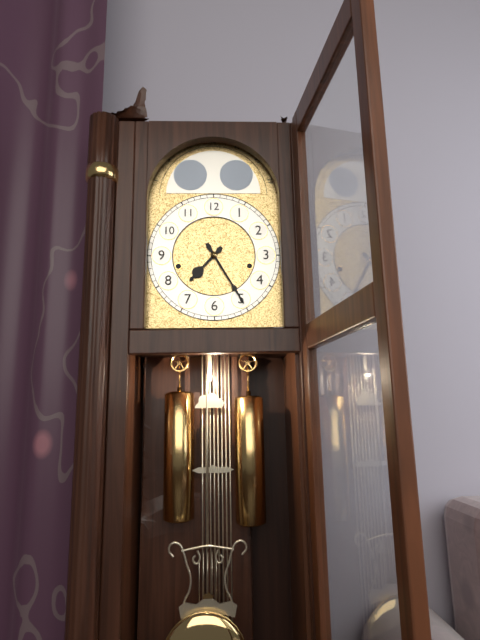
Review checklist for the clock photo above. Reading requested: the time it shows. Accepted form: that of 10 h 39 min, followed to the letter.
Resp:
7 h 25 min
